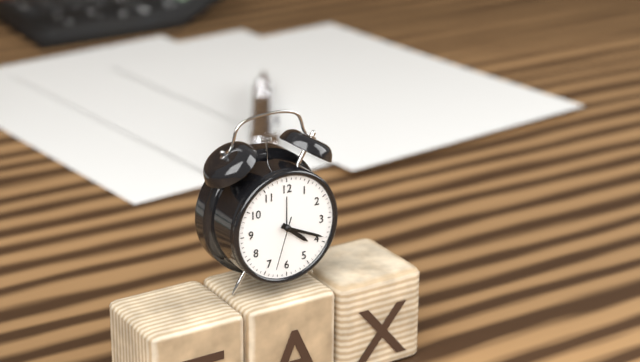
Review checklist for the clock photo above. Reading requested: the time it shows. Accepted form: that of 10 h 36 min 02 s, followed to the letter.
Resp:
4 h 19 min 33 s
